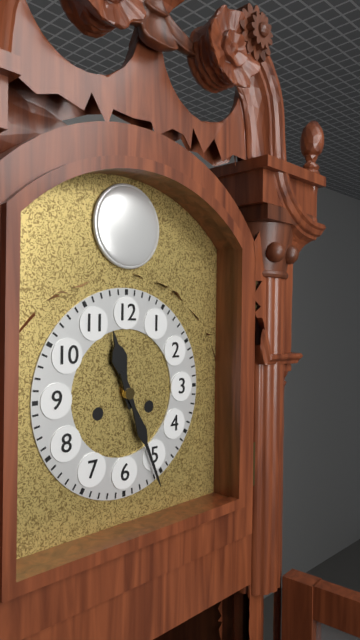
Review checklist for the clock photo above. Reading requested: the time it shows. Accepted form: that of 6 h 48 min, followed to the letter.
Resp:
11 h 26 min
